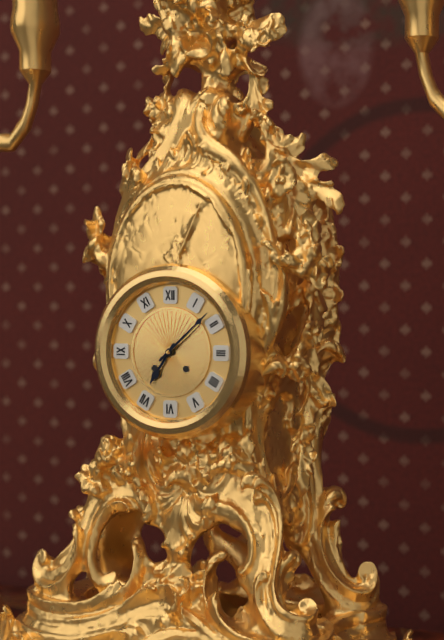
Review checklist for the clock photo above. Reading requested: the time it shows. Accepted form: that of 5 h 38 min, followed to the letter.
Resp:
7 h 08 min
